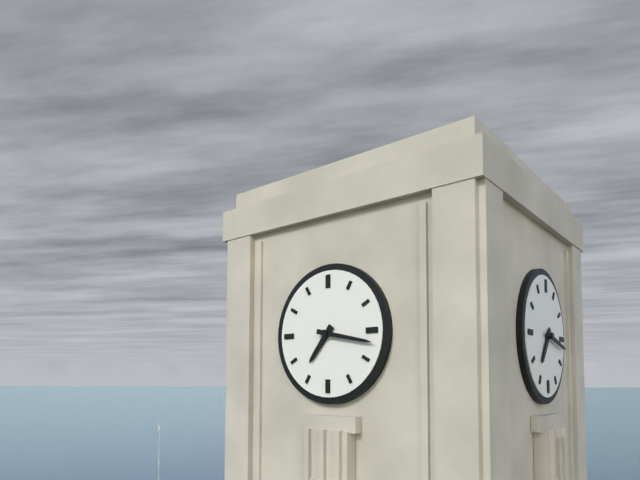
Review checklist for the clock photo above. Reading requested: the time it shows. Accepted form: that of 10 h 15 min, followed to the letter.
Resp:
7 h 17 min
